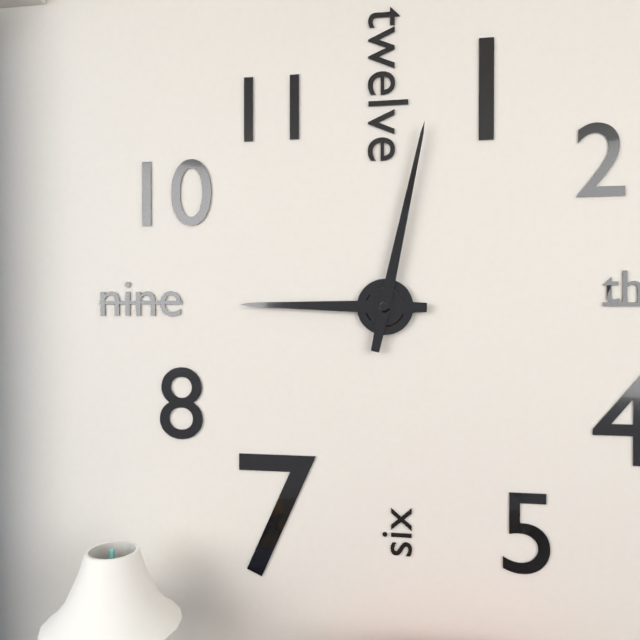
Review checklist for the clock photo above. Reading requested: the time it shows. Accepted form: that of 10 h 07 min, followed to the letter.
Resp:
9 h 02 min
